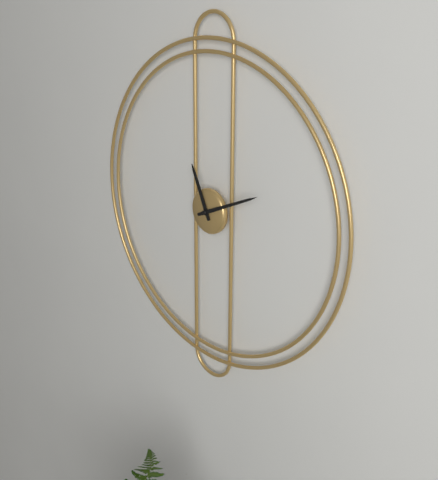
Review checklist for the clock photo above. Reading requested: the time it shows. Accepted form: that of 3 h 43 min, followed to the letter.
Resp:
11 h 11 min
